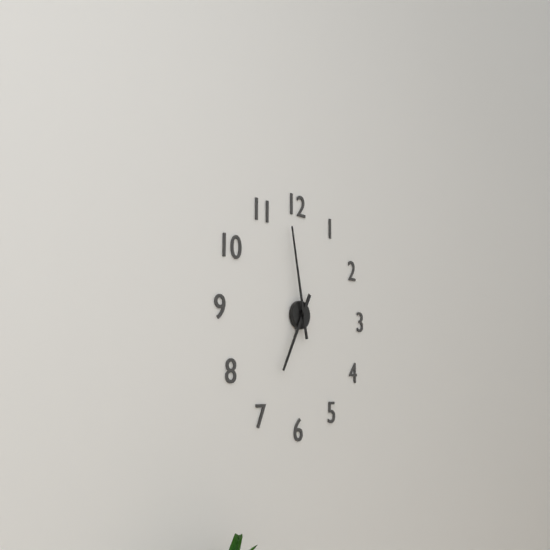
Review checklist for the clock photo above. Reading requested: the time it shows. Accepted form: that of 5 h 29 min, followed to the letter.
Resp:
6 h 58 min
